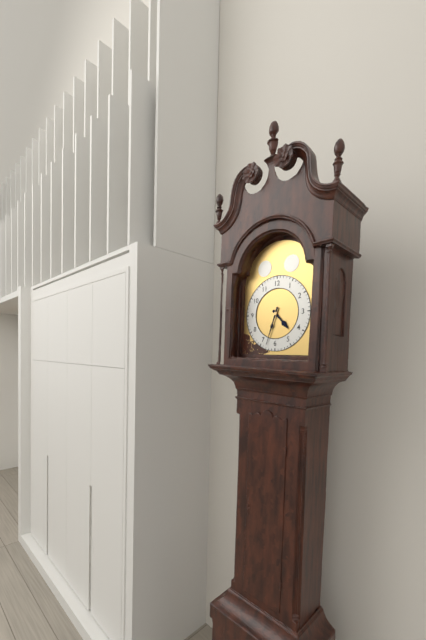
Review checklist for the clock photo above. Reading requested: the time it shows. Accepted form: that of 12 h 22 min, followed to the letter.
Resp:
4 h 33 min
